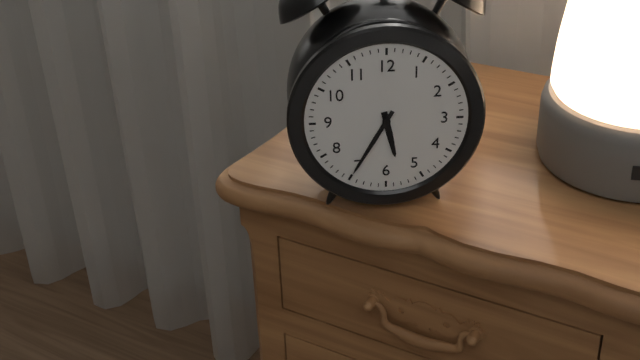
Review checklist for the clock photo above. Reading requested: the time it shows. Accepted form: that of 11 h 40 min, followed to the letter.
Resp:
5 h 35 min
